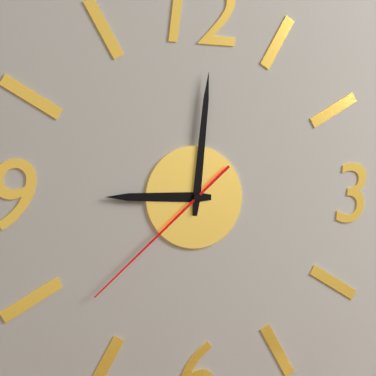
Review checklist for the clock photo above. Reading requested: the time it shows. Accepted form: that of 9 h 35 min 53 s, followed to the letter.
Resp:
9 h 01 min 38 s
